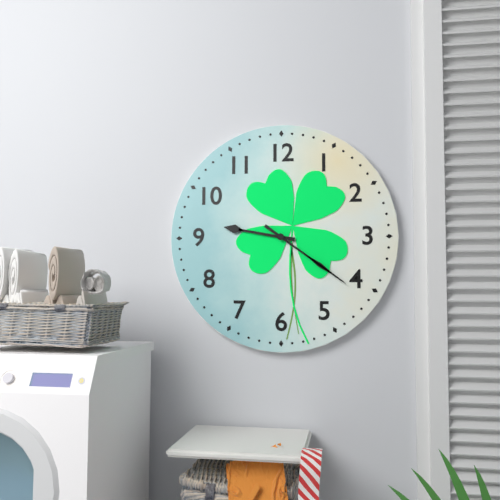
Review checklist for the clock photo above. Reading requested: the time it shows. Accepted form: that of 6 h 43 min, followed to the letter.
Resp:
9 h 21 min
